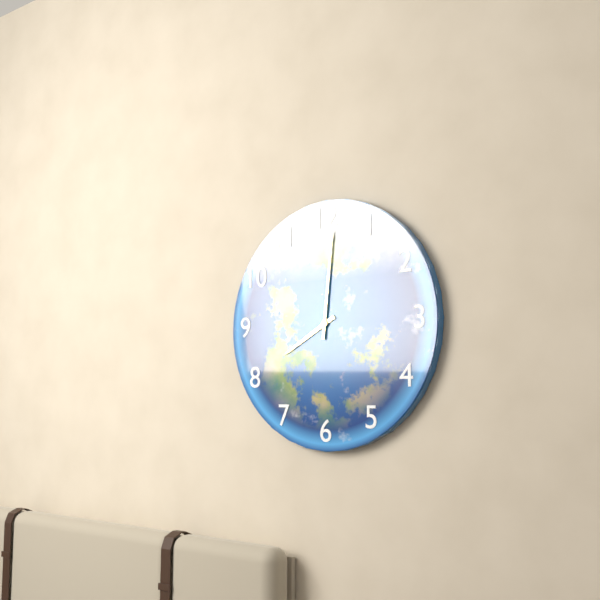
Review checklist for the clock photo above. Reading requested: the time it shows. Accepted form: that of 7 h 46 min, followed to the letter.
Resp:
8 h 01 min
